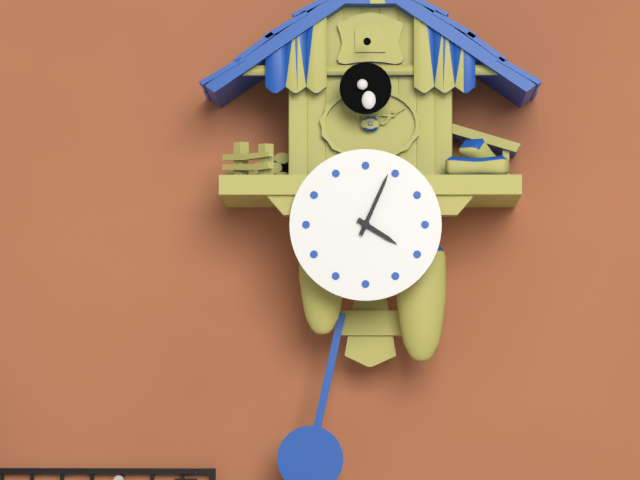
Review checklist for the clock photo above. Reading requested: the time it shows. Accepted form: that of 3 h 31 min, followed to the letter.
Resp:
4 h 04 min
